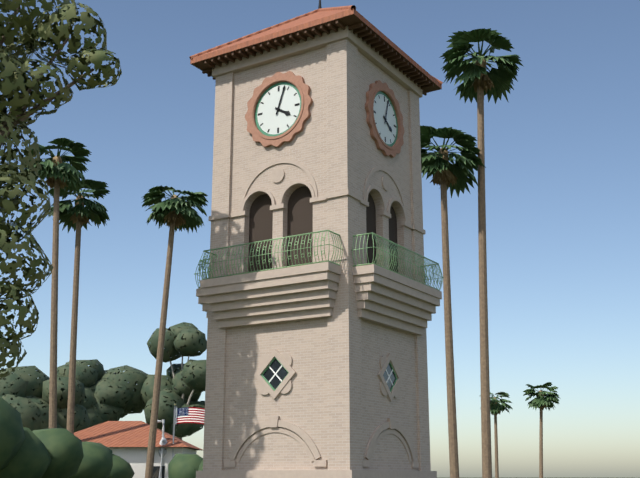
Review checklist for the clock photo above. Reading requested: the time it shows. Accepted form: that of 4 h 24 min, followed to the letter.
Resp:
4 h 03 min
